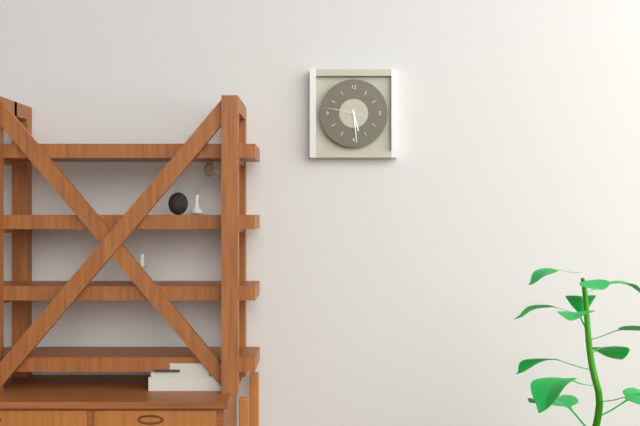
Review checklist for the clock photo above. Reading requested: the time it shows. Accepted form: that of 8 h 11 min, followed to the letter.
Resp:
5 h 29 min
